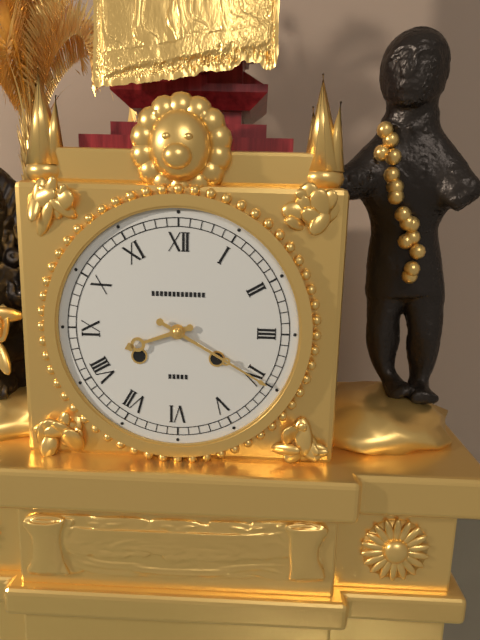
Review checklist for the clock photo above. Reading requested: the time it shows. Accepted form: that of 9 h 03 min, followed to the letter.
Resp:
8 h 20 min
